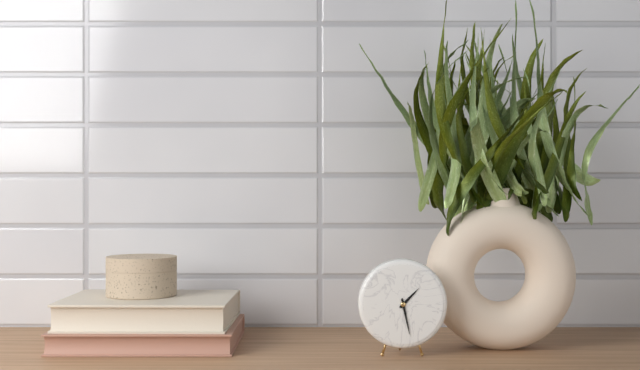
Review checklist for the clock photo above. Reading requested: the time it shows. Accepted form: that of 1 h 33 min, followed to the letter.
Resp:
1 h 28 min
